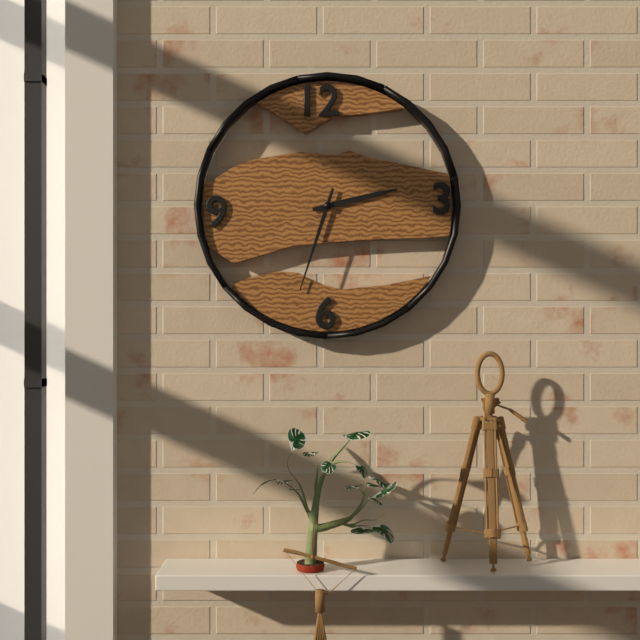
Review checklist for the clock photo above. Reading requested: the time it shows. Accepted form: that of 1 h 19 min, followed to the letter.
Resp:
2 h 33 min
